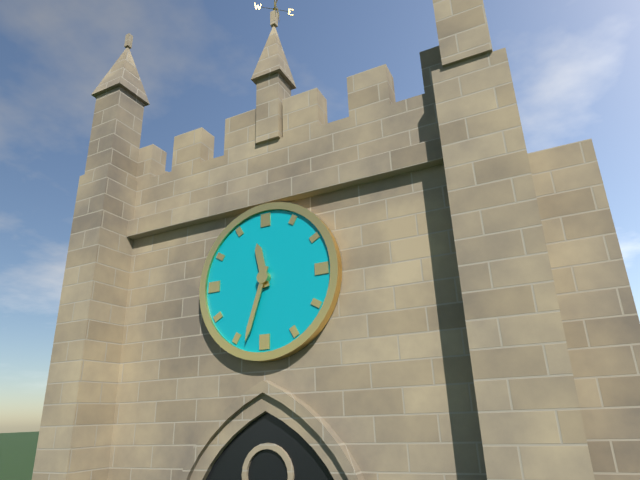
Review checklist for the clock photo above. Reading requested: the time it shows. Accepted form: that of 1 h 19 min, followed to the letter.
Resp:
11 h 33 min
